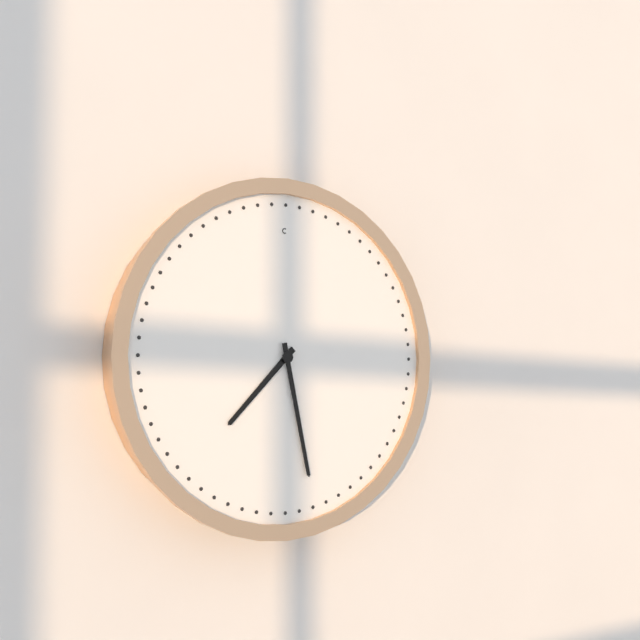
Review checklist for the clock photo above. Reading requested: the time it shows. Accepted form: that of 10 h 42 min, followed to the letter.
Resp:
7 h 28 min
